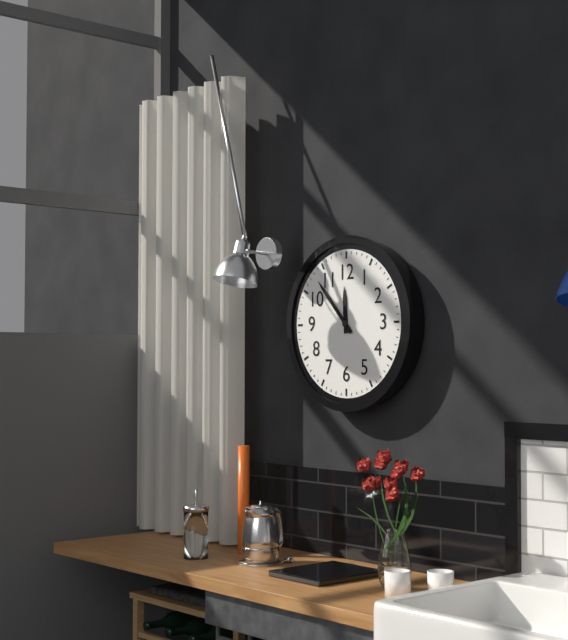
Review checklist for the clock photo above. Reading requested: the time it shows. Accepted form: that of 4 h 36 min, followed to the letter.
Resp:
11 h 53 min
